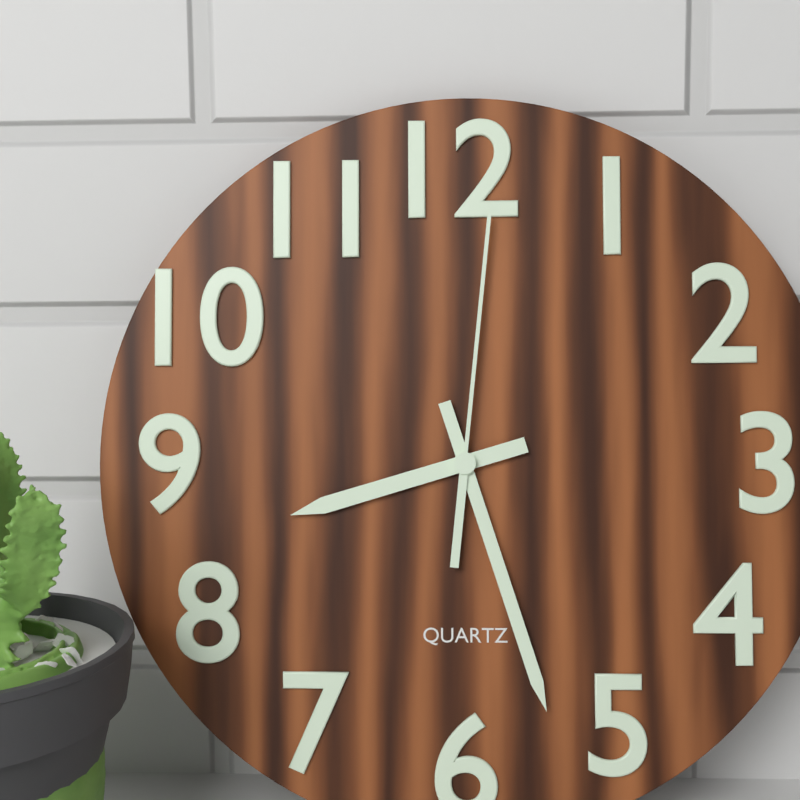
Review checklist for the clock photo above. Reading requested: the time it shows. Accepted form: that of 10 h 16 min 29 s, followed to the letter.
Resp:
8 h 27 min 01 s
